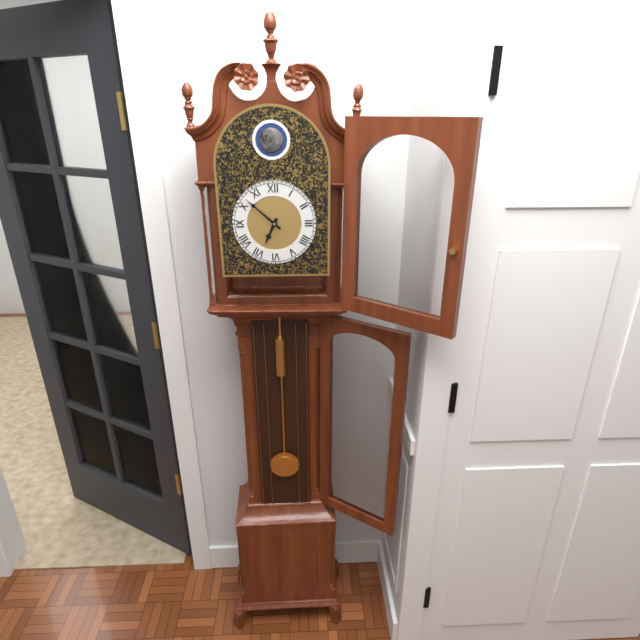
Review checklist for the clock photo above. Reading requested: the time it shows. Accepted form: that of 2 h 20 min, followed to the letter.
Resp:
6 h 52 min
